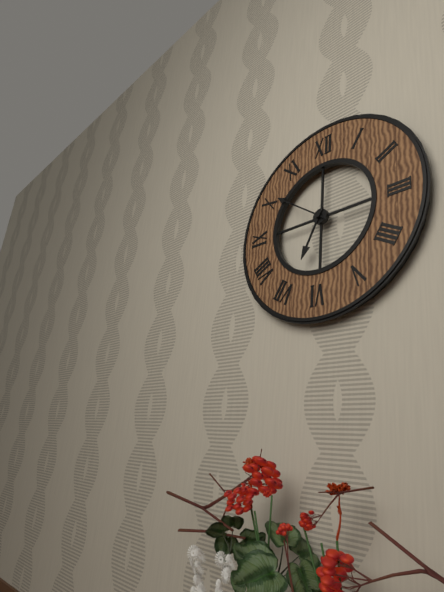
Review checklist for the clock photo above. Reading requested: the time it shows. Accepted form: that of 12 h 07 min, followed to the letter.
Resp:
6 h 51 min
